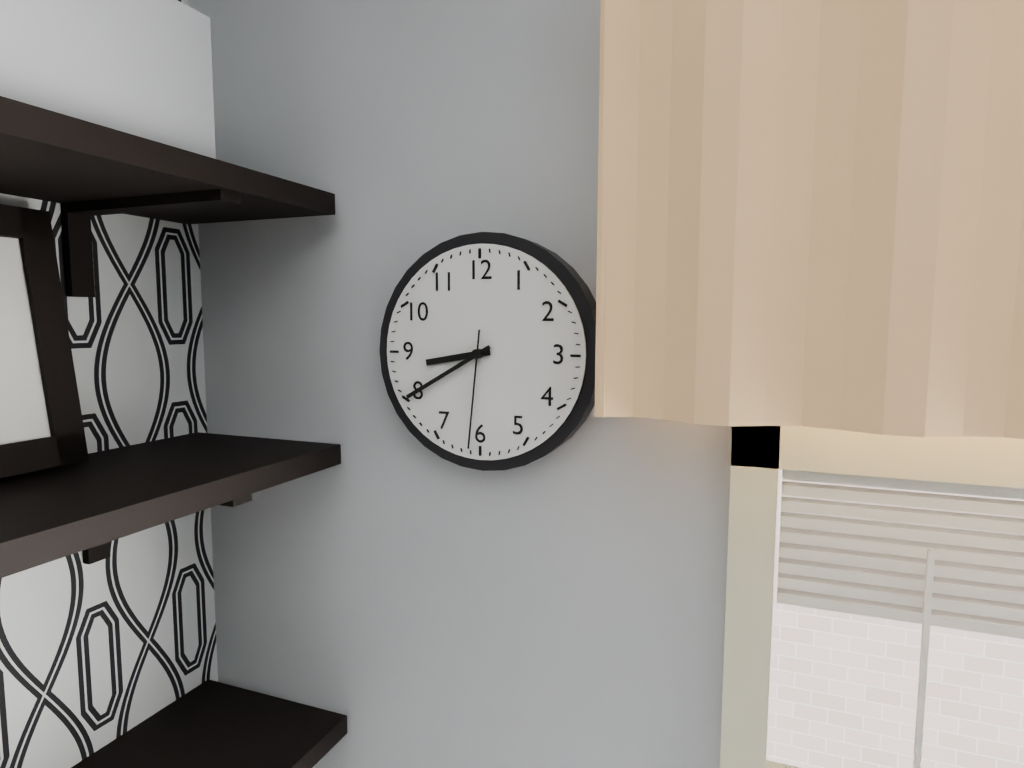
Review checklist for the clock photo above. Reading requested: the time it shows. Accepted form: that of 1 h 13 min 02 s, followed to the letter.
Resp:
8 h 40 min 31 s
